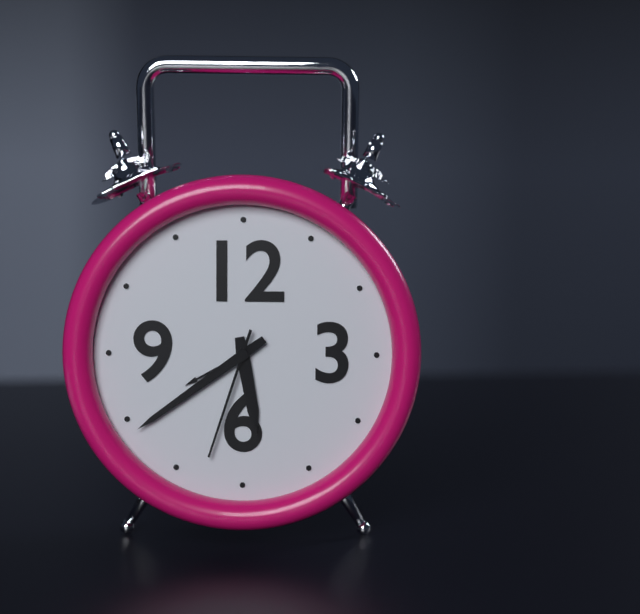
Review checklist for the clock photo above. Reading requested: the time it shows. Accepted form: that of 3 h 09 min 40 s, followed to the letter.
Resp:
5 h 39 min 33 s
